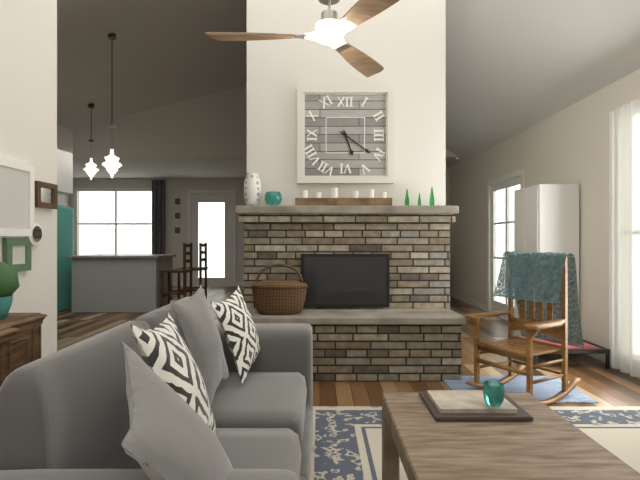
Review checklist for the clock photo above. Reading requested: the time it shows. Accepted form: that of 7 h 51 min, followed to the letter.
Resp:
5 h 21 min
